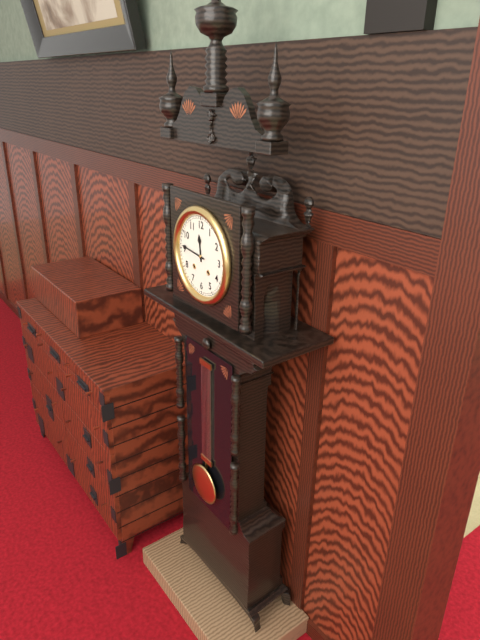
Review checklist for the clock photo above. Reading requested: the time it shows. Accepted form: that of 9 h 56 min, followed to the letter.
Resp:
11 h 46 min
